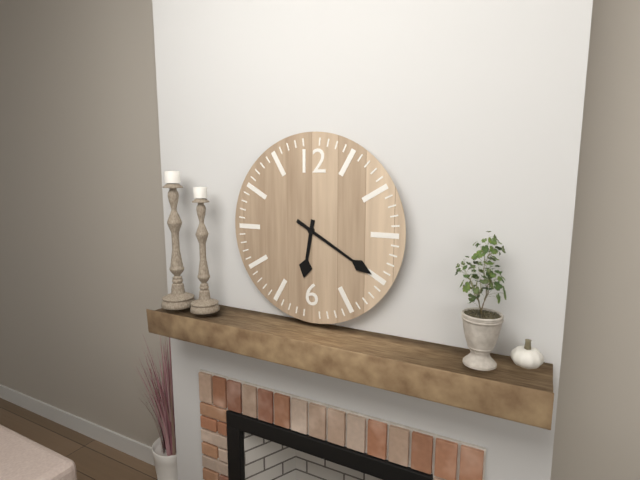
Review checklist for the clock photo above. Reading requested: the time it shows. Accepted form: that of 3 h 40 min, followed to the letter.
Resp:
6 h 20 min
